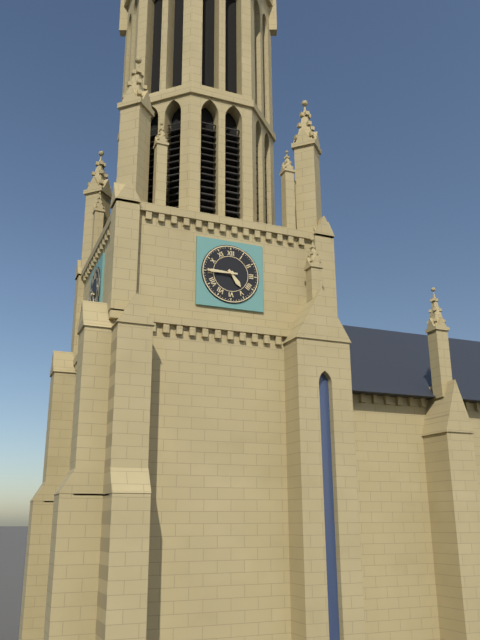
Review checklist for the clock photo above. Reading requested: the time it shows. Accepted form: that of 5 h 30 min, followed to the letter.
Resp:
4 h 45 min
